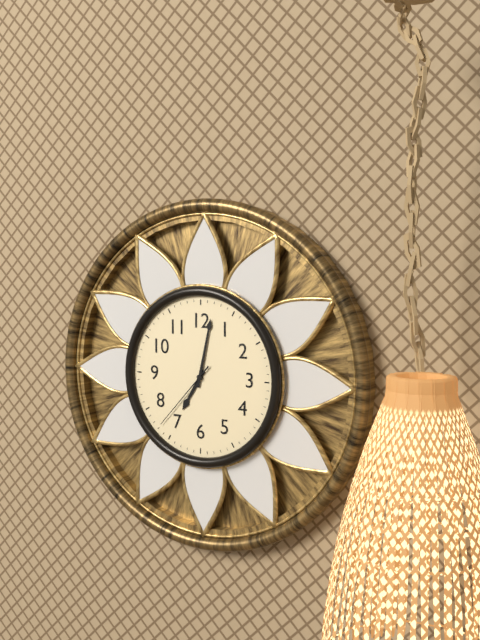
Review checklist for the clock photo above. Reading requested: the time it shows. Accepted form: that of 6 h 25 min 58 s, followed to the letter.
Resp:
7 h 02 min 37 s
